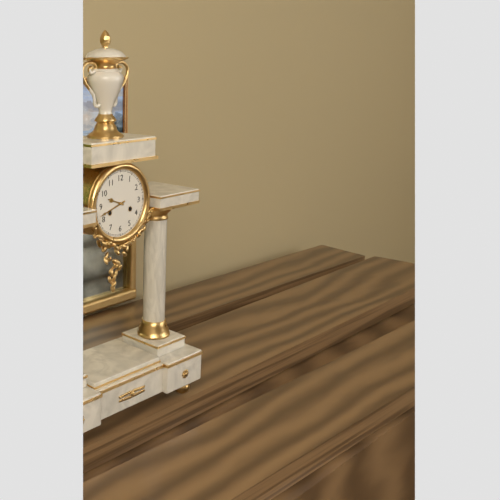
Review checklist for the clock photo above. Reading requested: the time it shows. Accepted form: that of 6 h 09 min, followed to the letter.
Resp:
9 h 42 min
